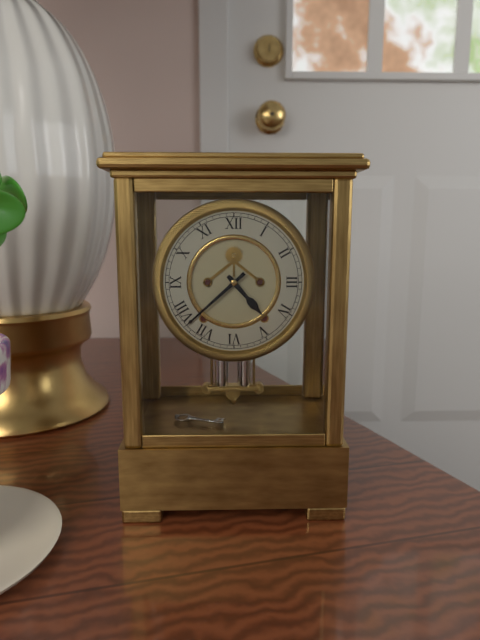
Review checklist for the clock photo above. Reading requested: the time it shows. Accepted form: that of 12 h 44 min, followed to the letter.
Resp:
4 h 38 min
